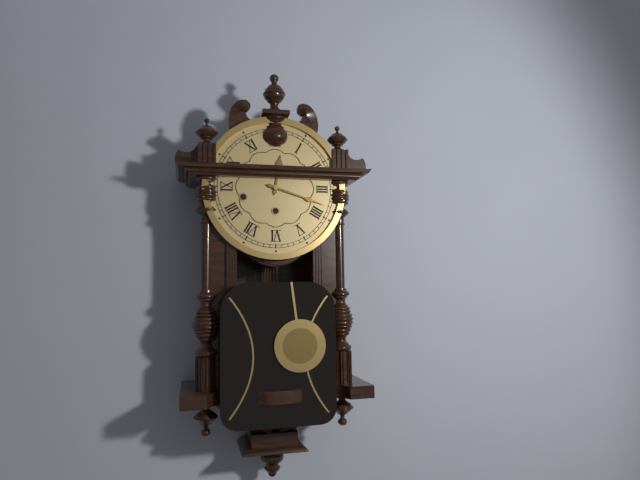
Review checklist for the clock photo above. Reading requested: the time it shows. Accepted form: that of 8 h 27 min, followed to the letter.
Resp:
12 h 18 min
